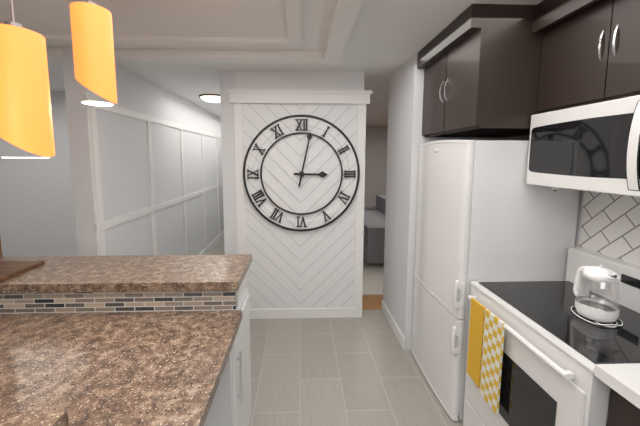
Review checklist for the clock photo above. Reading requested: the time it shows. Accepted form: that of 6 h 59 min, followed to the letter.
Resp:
3 h 02 min
